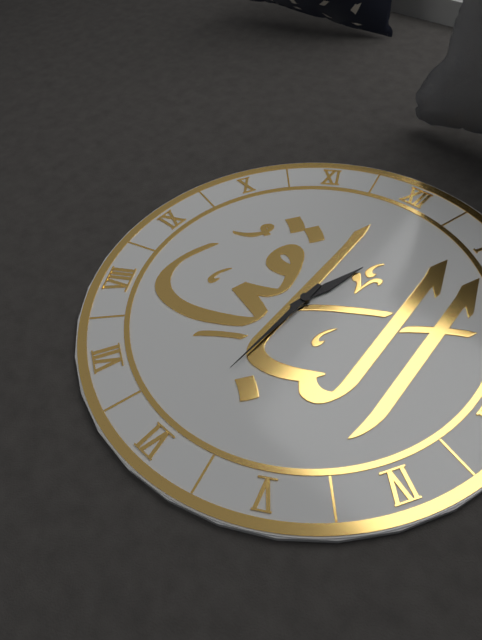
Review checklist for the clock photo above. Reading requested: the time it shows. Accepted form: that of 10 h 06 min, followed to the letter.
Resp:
12 h 30 min
